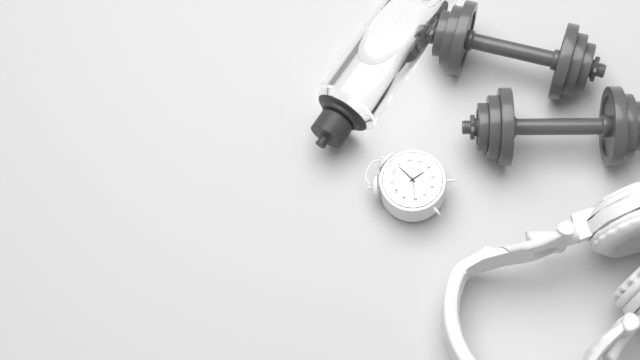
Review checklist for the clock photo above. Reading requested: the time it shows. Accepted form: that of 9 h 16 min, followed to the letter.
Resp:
4 h 04 min
